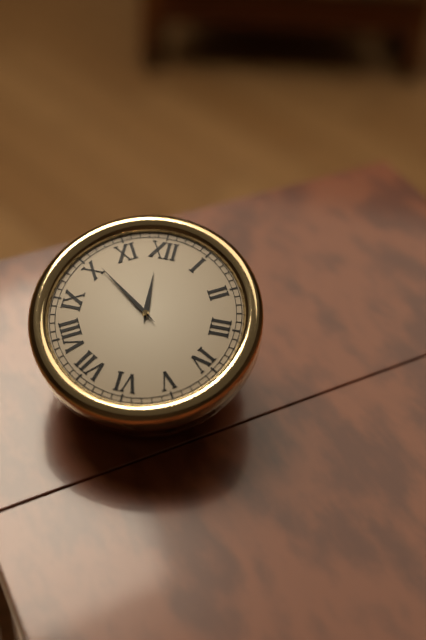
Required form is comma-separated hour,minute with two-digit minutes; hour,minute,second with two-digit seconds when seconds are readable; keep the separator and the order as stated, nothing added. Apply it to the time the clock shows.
11,51
